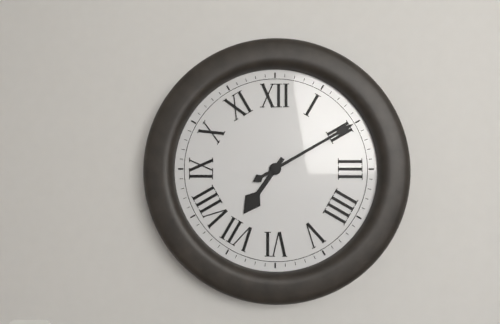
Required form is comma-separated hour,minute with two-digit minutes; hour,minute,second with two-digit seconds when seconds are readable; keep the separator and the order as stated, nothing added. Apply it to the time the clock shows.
7,10
